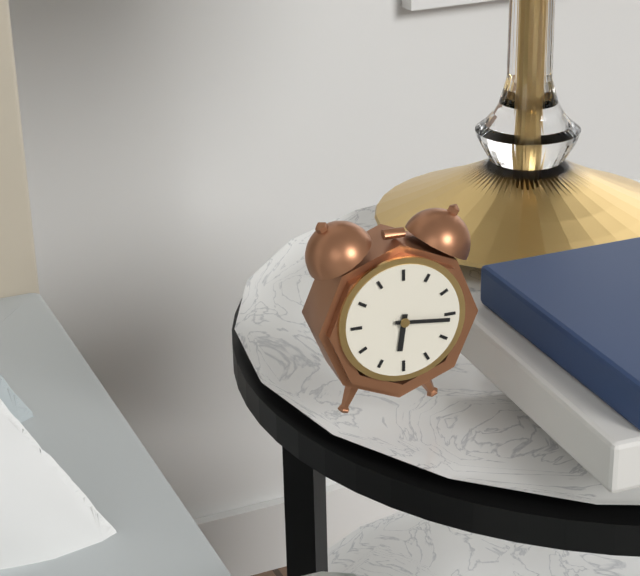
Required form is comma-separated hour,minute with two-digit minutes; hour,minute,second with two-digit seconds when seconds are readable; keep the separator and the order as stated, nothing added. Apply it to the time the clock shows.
6,16
